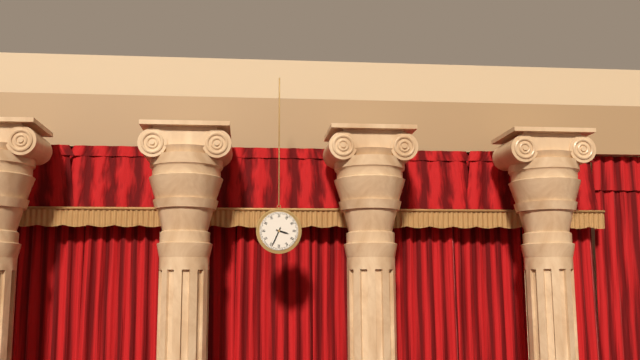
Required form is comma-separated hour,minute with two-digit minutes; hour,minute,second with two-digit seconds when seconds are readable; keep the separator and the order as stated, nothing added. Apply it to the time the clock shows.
3,34
